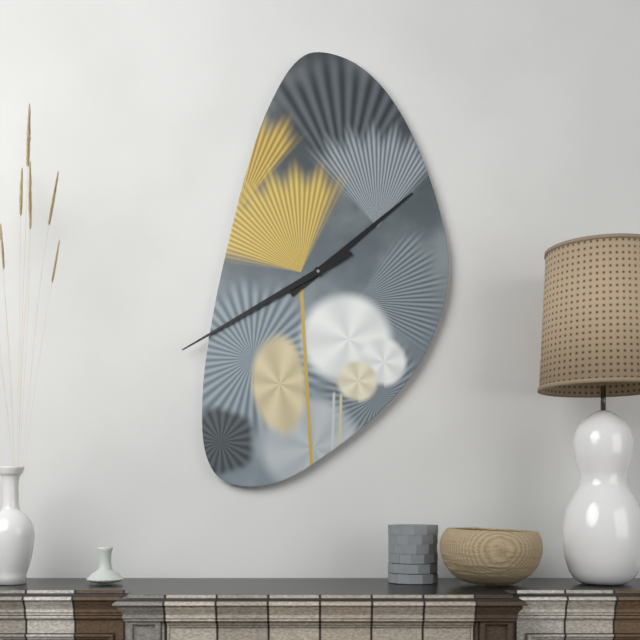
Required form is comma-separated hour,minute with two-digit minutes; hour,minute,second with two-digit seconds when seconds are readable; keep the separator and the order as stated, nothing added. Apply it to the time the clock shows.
1,40
